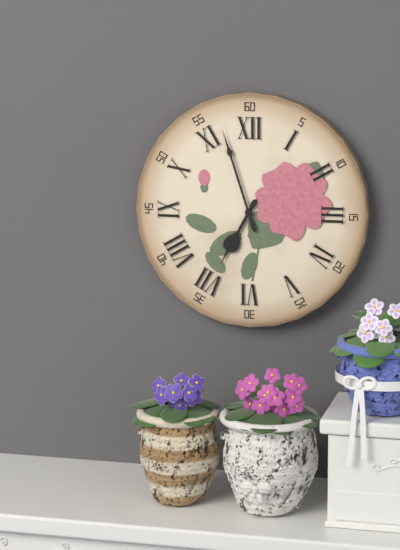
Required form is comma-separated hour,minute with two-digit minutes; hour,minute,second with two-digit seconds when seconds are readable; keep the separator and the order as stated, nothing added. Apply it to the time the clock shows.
6,57
